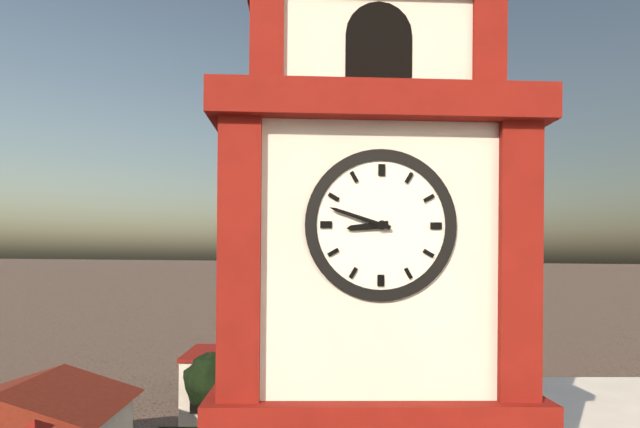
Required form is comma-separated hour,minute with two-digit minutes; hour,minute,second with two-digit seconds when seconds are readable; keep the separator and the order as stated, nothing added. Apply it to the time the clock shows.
8,48
